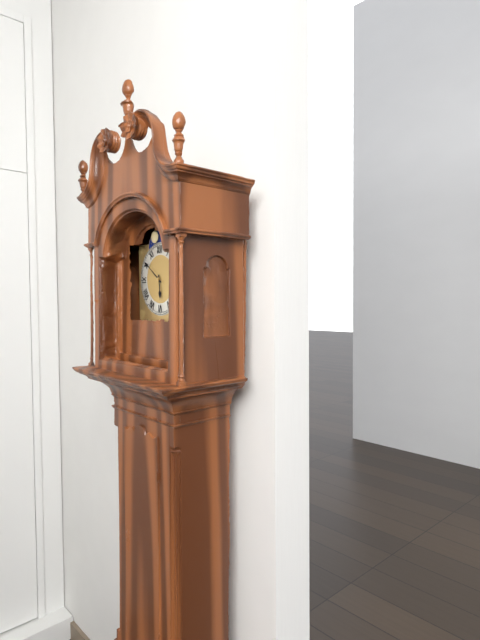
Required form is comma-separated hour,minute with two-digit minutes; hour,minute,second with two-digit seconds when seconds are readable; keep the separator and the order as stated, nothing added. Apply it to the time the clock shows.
5,51
